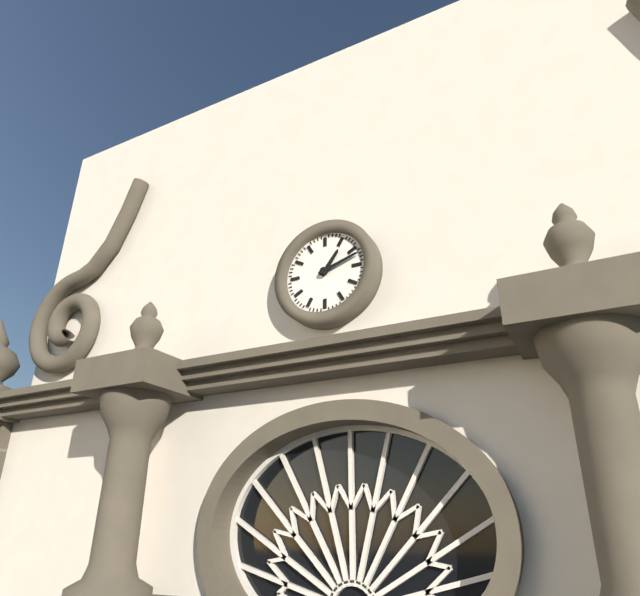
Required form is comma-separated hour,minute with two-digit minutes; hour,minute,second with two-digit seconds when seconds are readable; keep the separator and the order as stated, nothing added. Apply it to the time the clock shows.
1,12
